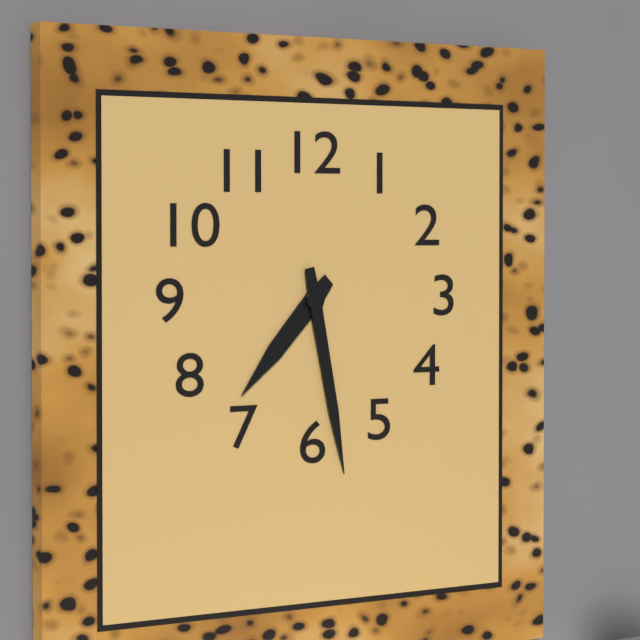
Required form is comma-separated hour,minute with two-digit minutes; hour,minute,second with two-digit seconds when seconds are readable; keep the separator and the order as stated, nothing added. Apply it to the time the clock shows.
7,28
